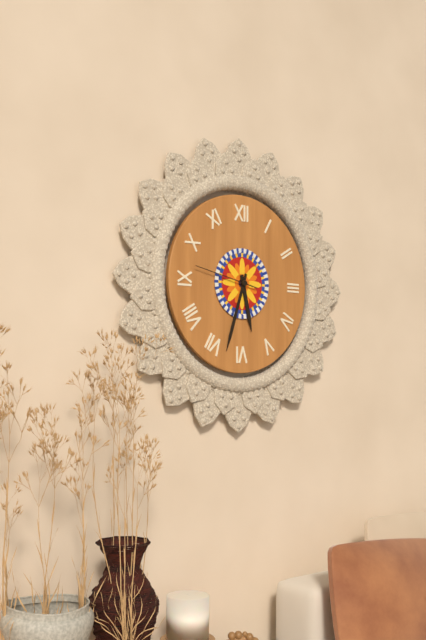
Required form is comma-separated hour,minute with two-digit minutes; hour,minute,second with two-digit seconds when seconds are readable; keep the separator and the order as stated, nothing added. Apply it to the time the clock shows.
5,33,47
